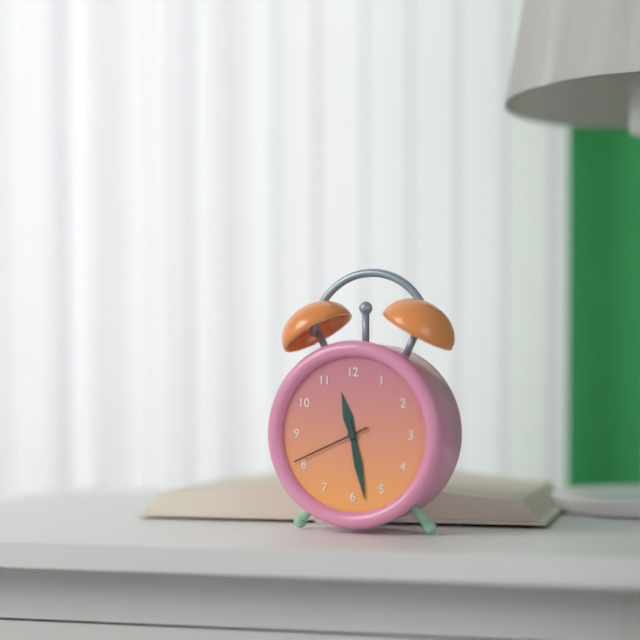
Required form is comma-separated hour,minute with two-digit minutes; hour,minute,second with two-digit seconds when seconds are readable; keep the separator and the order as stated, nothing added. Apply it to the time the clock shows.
11,28,41
